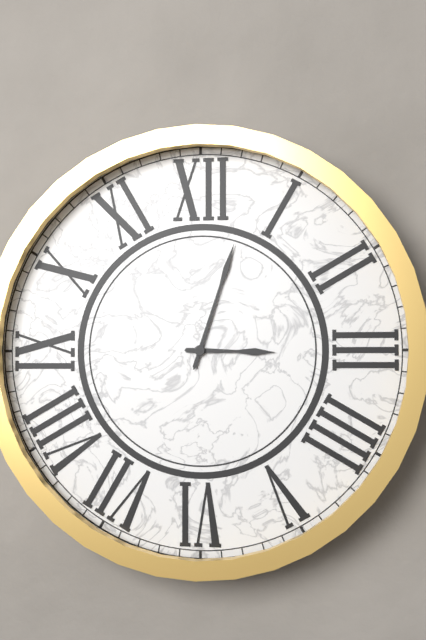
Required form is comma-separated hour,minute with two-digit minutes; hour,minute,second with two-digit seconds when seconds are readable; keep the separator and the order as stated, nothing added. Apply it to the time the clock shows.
3,03
